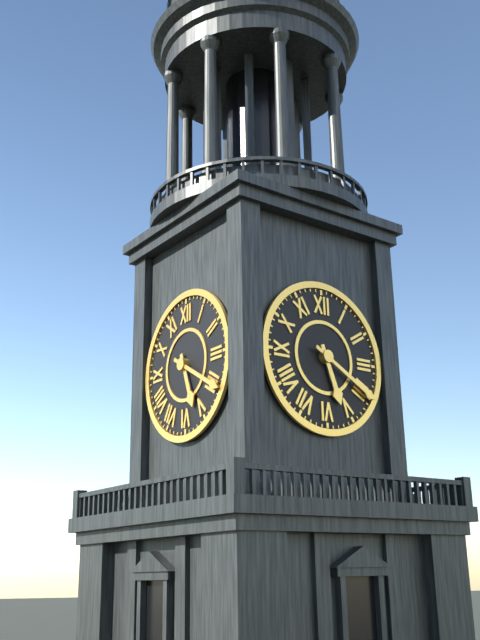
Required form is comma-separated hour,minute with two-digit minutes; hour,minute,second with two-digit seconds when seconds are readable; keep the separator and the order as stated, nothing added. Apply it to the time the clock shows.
5,20
